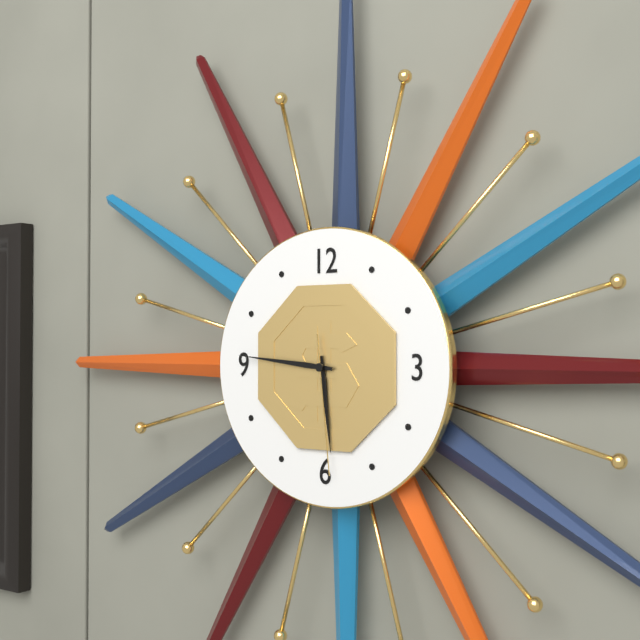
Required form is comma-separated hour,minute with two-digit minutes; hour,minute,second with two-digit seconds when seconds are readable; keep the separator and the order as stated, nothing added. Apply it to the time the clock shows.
5,46,29
